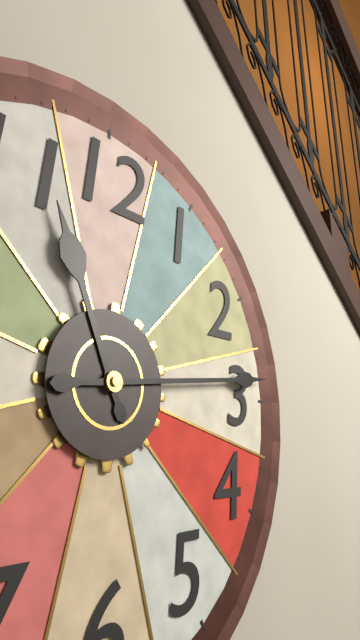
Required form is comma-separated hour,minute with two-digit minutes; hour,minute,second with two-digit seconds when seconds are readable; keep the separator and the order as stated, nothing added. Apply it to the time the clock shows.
11,14
